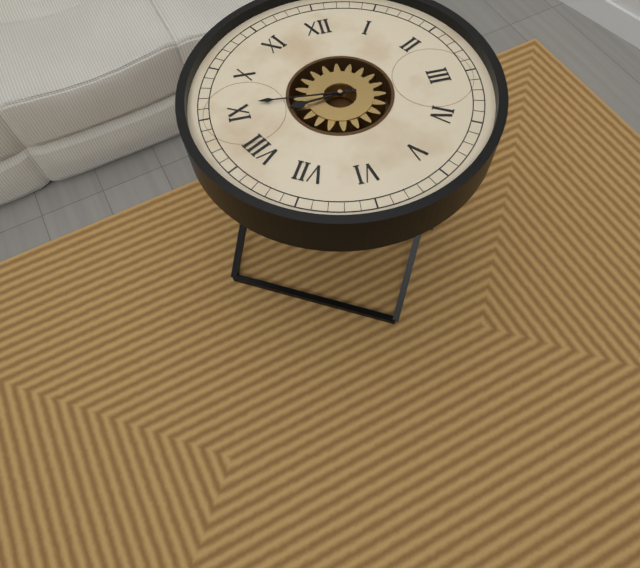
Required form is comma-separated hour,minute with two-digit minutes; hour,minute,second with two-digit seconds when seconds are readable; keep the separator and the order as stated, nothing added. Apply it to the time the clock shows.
8,46
